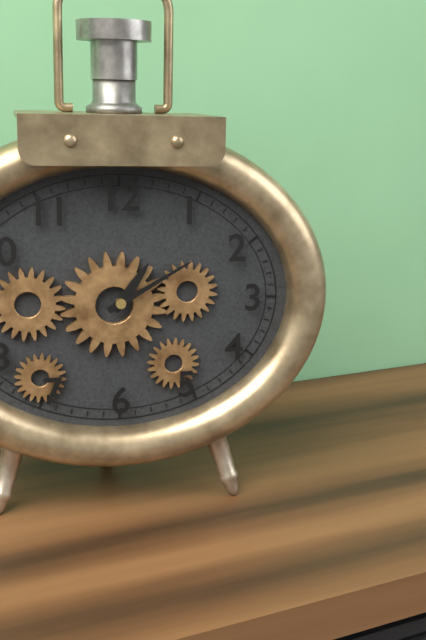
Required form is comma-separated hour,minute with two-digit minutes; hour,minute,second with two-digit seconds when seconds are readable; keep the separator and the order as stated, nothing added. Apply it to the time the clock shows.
1,10
